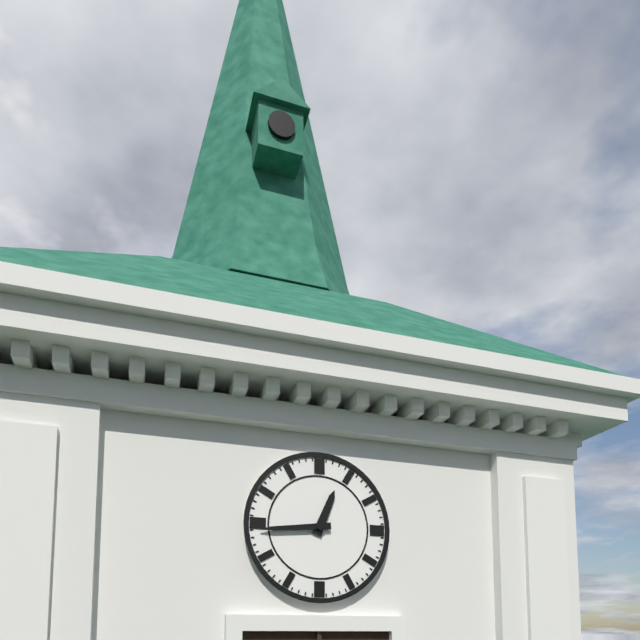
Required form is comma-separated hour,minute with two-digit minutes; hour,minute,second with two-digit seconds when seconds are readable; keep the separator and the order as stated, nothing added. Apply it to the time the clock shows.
12,44
